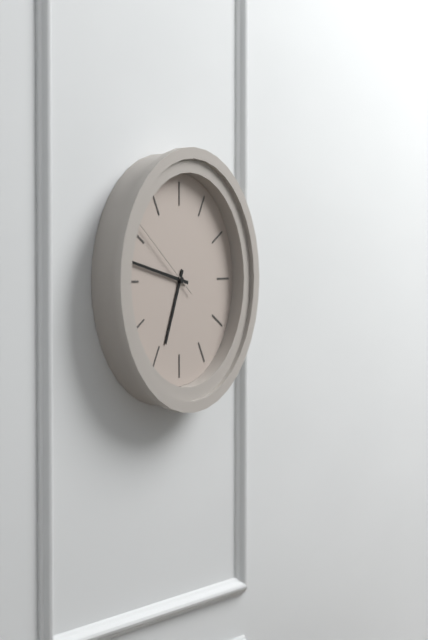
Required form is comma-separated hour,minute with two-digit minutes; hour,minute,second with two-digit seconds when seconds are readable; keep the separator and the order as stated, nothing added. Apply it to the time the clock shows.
6,47,51
